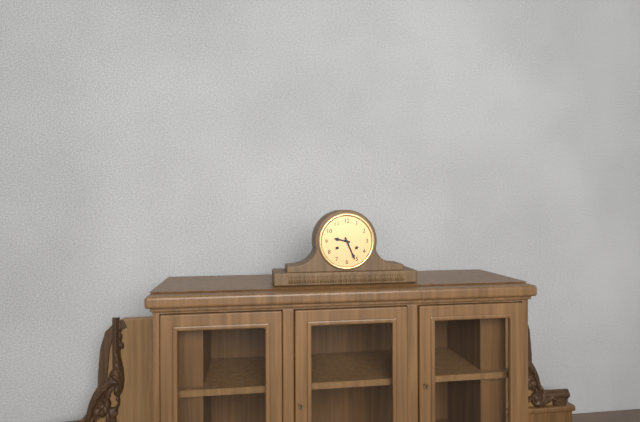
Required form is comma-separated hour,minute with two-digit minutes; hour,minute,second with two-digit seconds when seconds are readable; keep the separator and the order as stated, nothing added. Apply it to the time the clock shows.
9,26
